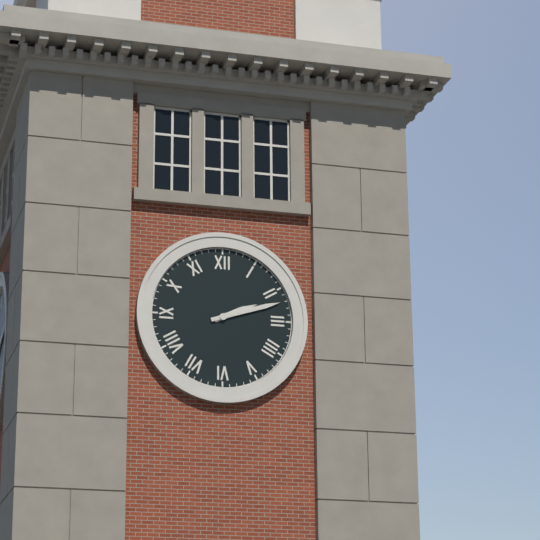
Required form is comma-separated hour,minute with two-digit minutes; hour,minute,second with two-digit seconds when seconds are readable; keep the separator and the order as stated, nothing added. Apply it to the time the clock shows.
2,12
